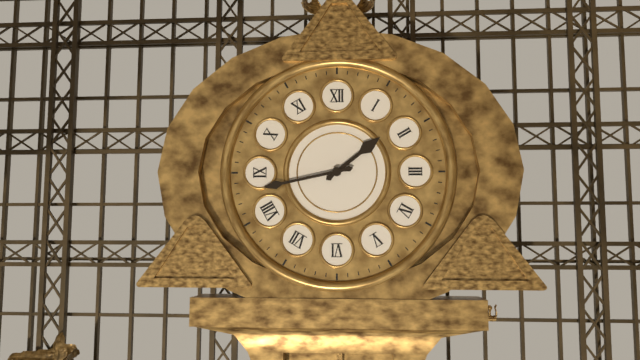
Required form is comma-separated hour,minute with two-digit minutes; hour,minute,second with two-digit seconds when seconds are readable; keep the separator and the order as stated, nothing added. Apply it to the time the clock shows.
1,43
